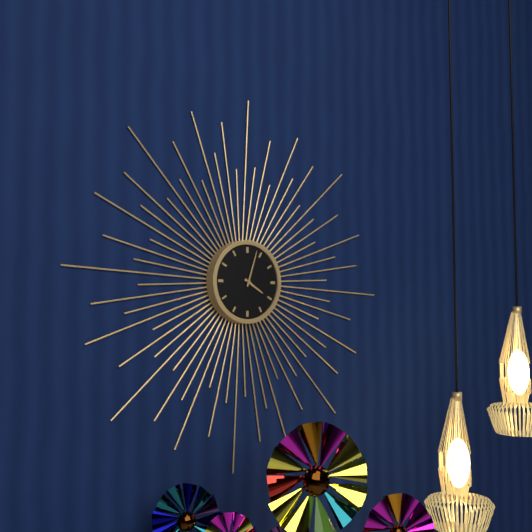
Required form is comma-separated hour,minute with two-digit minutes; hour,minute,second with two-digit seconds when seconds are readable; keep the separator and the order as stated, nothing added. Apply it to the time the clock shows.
4,03
